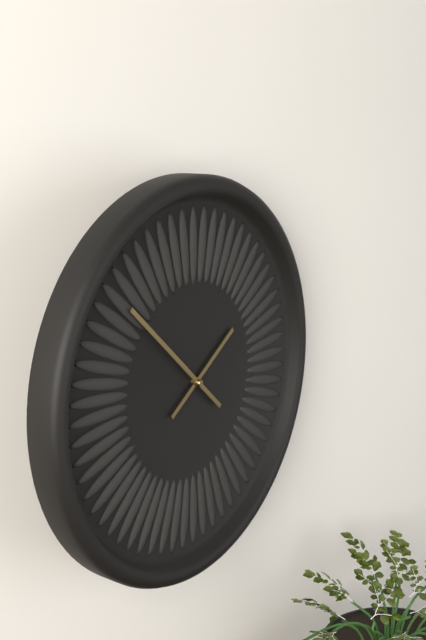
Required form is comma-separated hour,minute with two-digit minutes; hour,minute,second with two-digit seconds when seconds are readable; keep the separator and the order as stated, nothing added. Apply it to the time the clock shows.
1,52
